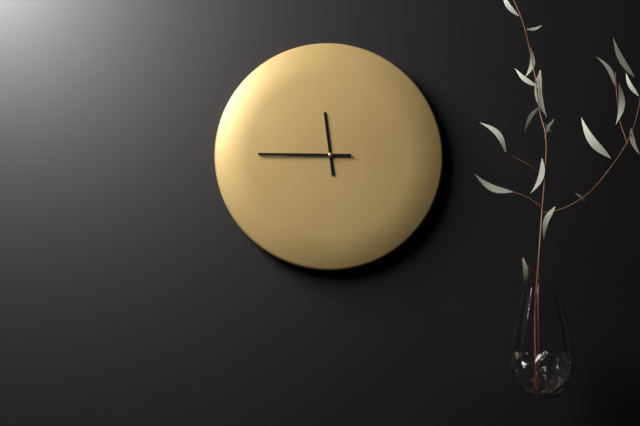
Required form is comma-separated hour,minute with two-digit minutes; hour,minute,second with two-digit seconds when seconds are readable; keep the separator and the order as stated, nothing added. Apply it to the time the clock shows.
11,45
